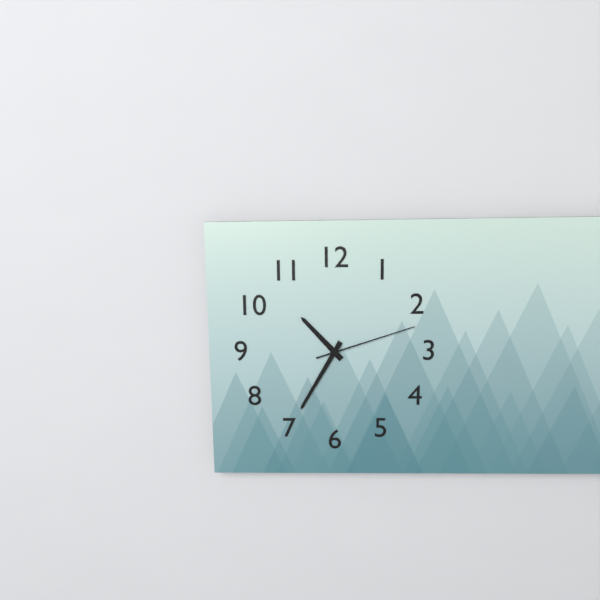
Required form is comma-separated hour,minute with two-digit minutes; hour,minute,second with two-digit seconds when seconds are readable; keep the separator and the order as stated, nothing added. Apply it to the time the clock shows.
10,35,12
